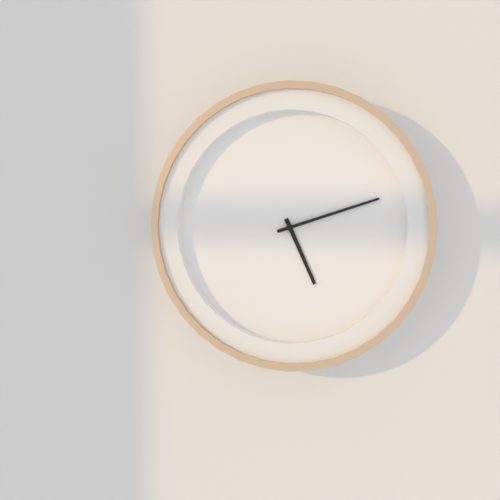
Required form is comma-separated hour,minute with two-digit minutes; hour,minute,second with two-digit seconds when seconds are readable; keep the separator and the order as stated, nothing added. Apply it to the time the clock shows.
5,12
